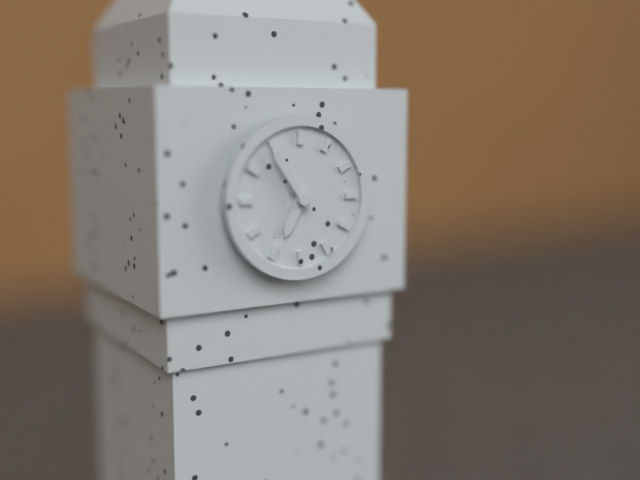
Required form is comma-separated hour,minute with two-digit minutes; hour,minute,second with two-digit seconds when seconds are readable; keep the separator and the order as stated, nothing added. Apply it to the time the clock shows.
6,54
